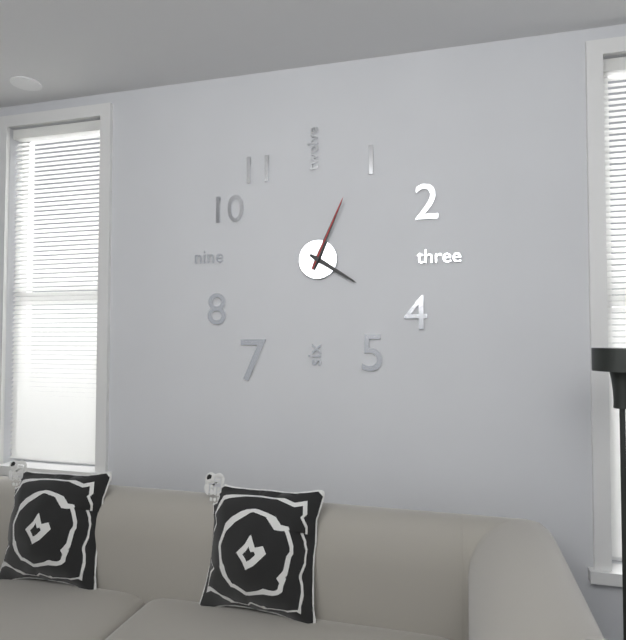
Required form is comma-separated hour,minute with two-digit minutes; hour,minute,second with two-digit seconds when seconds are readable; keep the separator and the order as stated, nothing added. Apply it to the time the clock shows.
4,04,04
